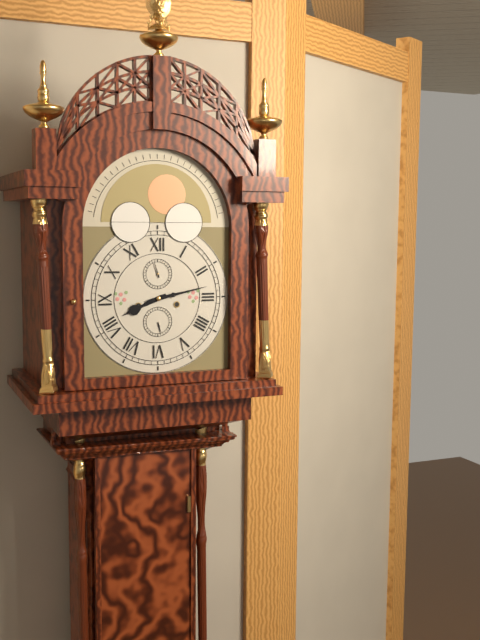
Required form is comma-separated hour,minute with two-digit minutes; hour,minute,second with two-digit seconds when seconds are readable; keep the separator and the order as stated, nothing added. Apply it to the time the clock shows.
8,13
